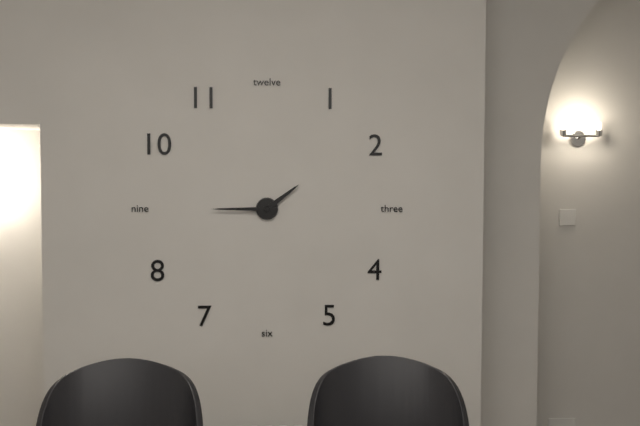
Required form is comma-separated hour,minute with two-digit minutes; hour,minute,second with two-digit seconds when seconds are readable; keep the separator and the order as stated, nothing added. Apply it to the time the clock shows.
1,45
